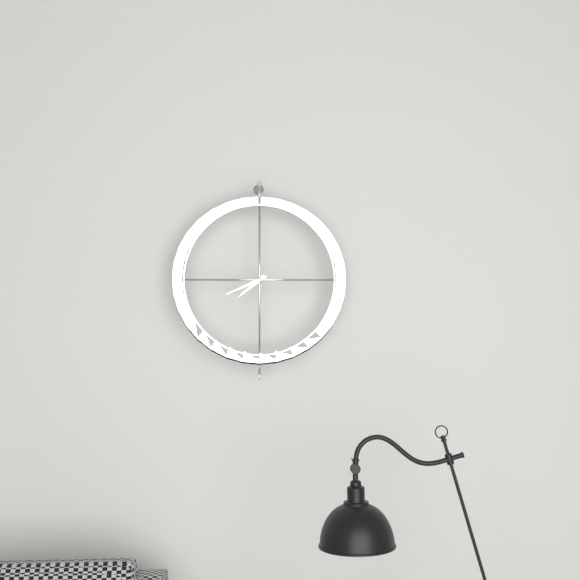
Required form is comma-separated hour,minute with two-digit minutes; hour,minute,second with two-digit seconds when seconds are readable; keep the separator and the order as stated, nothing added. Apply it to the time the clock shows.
7,41
